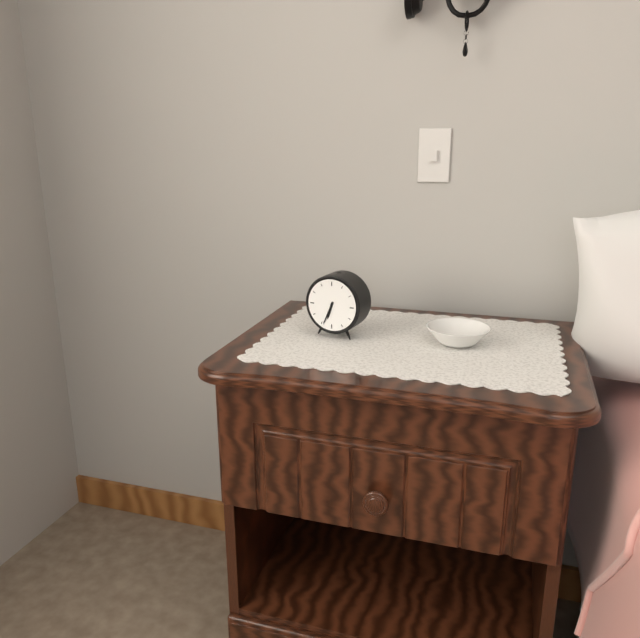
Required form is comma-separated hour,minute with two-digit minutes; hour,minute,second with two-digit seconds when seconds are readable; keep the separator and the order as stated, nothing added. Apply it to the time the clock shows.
6,34
